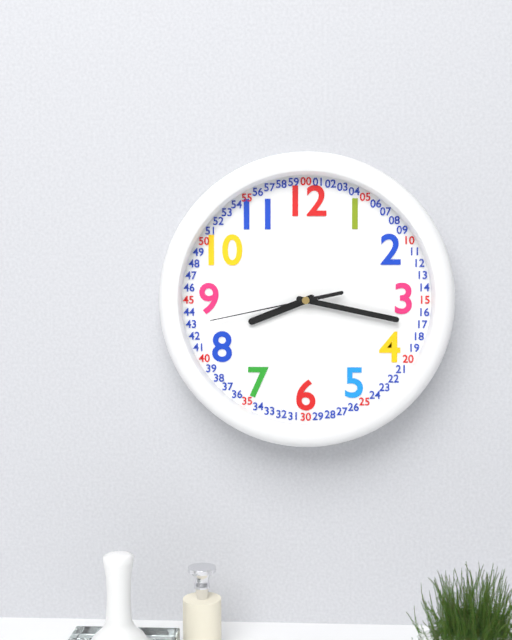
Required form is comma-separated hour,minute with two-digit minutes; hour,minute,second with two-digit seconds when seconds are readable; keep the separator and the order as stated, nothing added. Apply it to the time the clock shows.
8,17,43
